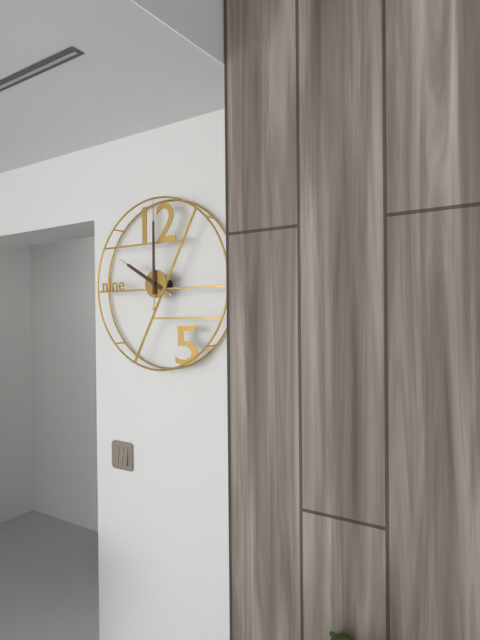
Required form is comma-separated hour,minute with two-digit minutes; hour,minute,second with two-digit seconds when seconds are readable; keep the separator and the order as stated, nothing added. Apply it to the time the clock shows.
10,00
